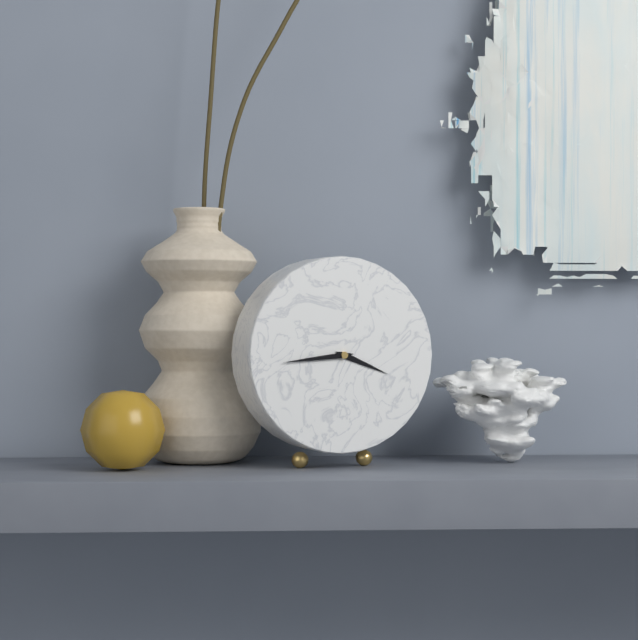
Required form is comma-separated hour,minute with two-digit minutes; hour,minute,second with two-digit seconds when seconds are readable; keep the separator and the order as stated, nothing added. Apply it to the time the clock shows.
3,44
